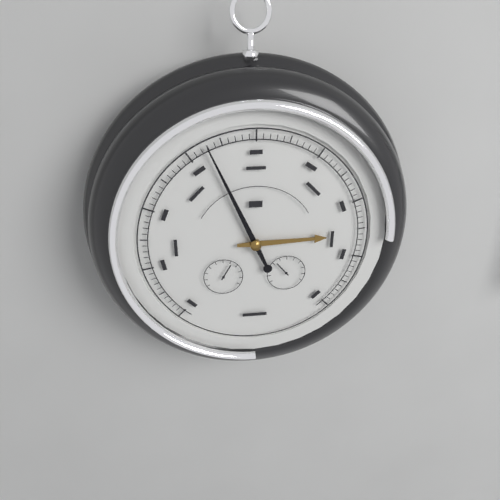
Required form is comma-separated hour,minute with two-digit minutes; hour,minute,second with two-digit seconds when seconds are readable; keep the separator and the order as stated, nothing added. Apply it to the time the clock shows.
2,56
